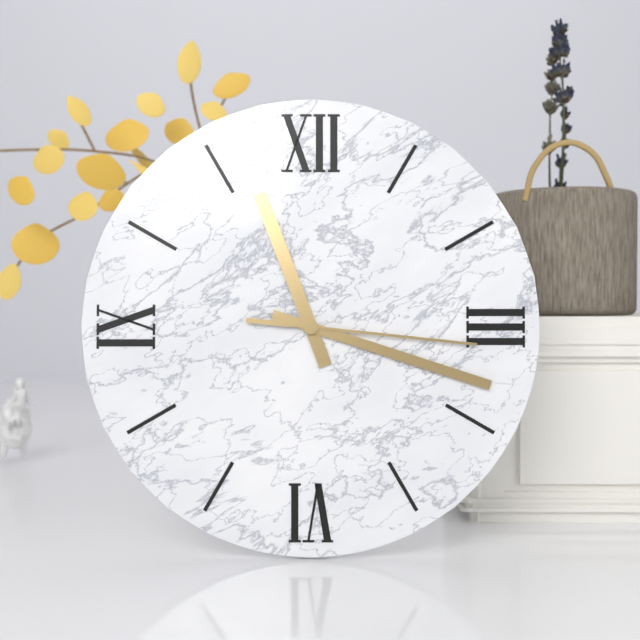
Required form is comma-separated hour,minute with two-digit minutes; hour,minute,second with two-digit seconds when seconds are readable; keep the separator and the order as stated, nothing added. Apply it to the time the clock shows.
11,18,16
